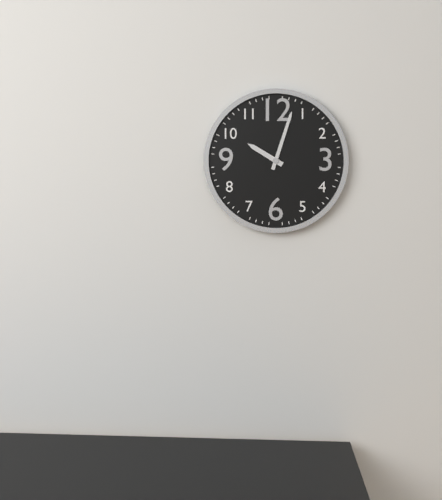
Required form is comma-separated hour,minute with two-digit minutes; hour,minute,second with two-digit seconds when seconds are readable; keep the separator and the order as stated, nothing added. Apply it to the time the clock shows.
10,03
